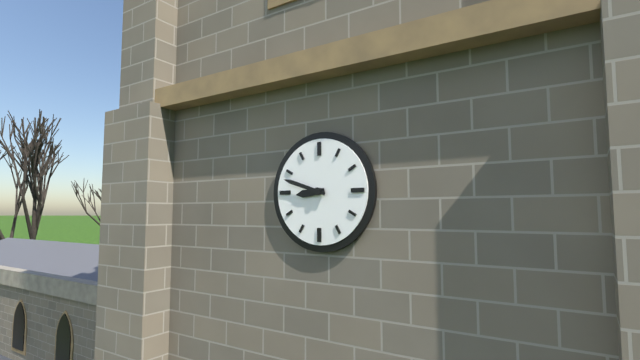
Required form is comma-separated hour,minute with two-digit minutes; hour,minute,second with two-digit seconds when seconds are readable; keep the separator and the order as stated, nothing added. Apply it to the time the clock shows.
8,48
